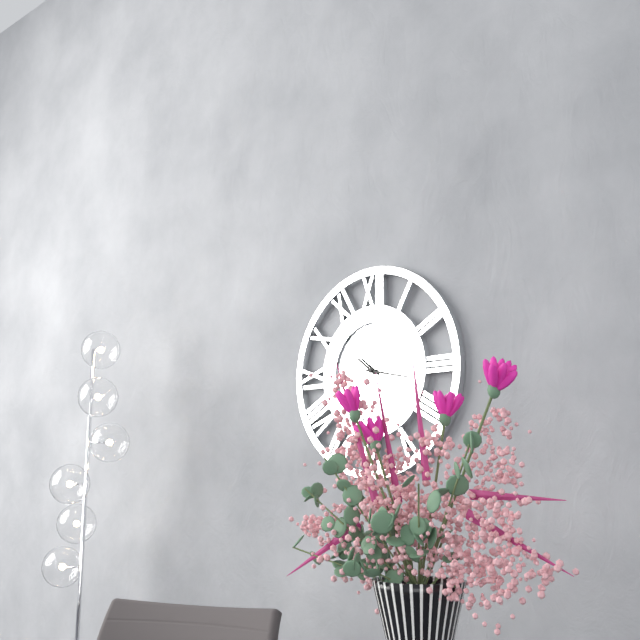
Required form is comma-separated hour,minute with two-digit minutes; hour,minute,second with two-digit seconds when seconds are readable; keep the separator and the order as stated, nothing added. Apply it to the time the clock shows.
10,17
